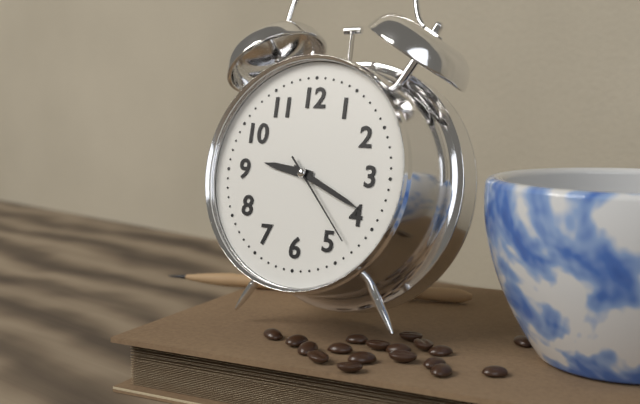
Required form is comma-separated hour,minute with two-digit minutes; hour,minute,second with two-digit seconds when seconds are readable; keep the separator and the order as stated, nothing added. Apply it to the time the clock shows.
9,19,23
